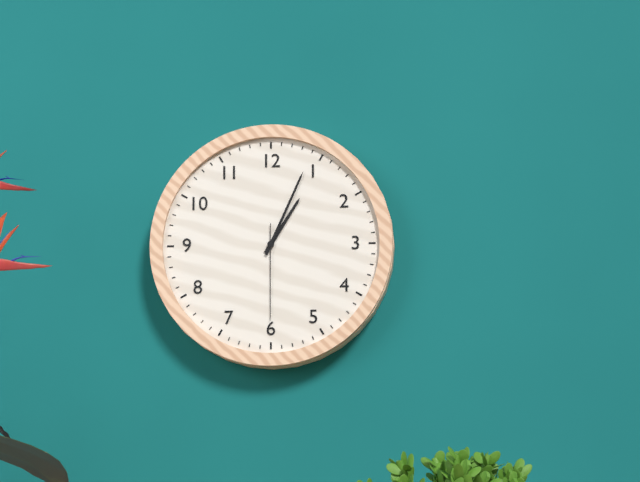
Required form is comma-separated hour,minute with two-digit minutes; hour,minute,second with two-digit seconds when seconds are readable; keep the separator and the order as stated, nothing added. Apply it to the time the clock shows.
1,04,30
